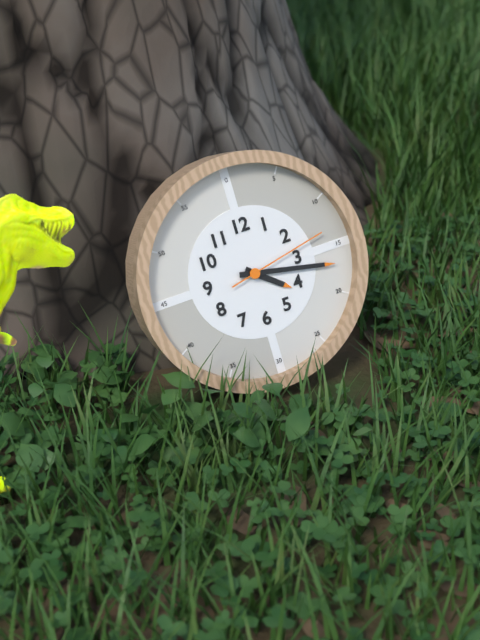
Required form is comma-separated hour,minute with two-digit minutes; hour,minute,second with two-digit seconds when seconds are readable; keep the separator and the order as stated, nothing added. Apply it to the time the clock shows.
4,17,13
